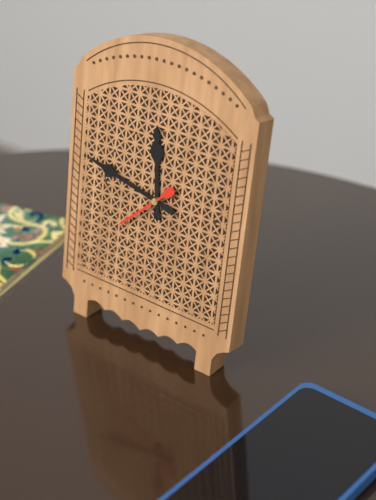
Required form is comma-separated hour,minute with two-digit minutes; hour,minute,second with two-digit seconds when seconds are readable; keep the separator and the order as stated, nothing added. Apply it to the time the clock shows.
11,47,38
